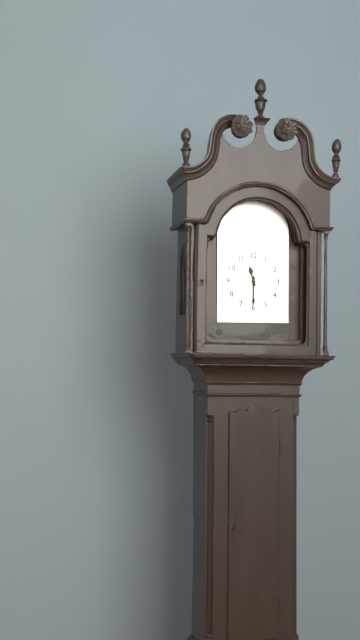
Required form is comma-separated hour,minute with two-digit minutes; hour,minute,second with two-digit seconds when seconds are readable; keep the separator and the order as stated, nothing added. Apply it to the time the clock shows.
11,30
